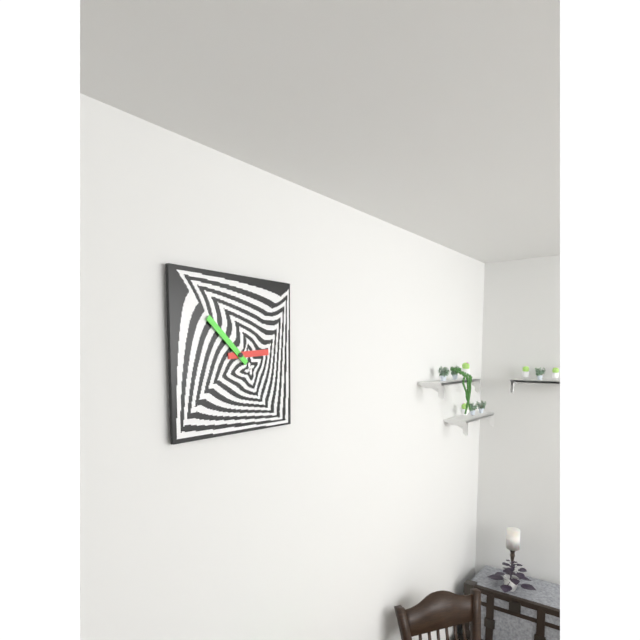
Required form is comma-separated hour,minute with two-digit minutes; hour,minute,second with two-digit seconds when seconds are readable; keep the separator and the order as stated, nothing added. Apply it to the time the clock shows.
2,52
